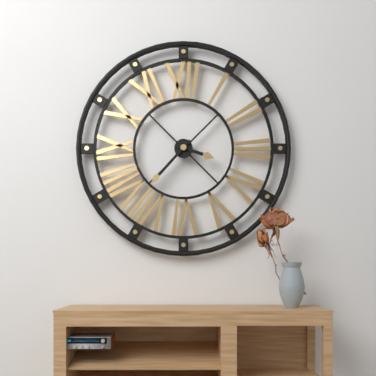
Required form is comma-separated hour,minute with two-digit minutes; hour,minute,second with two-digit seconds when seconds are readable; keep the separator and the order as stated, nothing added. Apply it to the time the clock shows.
3,37
